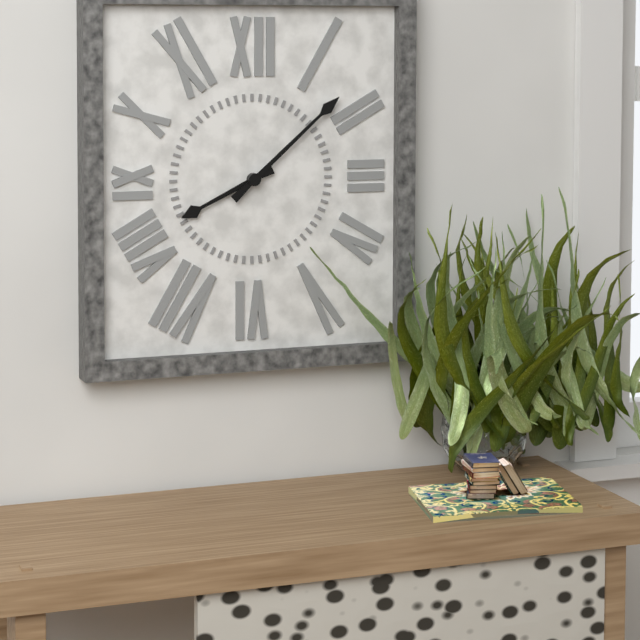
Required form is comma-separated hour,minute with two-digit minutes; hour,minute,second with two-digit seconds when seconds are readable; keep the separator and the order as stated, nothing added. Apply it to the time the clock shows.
8,08
